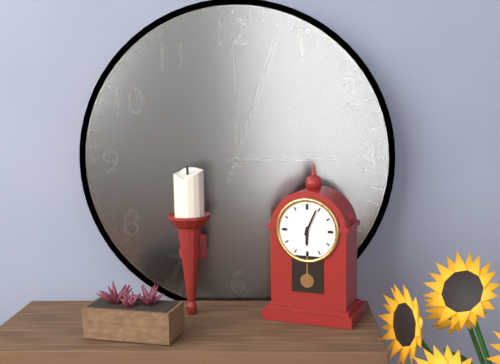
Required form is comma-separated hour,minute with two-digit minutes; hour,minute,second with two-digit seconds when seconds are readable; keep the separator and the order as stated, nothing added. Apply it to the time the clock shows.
6,04
